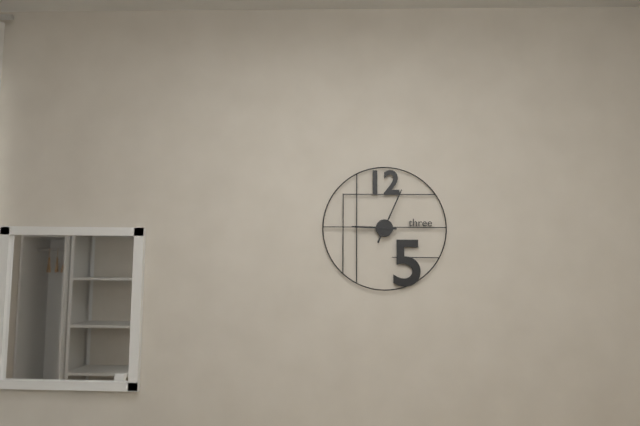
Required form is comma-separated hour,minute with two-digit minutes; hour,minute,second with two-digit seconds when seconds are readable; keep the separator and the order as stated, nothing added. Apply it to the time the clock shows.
9,04
